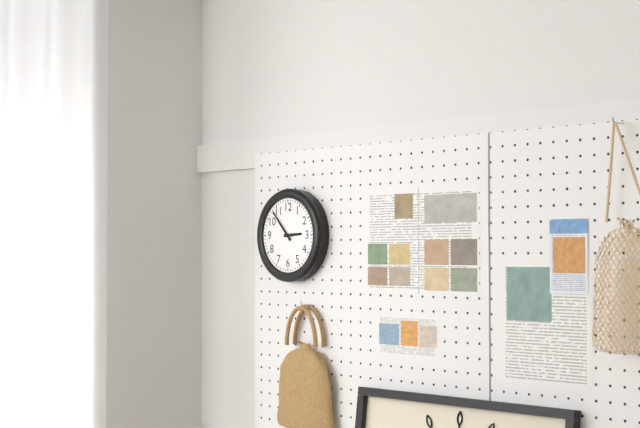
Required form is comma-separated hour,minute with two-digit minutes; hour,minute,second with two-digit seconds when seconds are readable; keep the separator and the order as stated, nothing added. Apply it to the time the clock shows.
2,53
